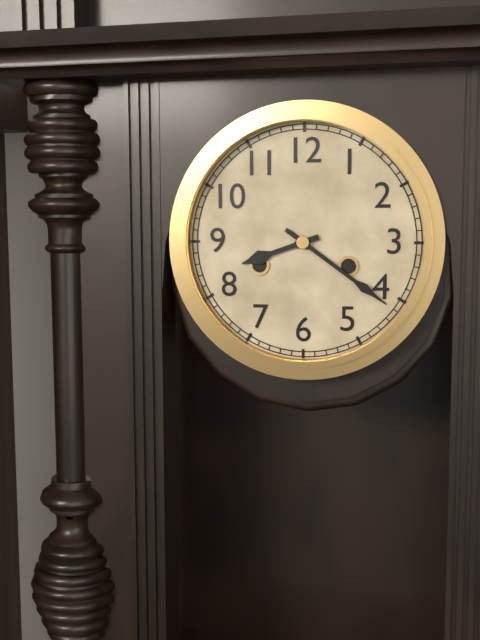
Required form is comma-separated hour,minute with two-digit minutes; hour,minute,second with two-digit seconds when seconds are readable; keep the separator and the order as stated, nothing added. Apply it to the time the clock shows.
8,21
